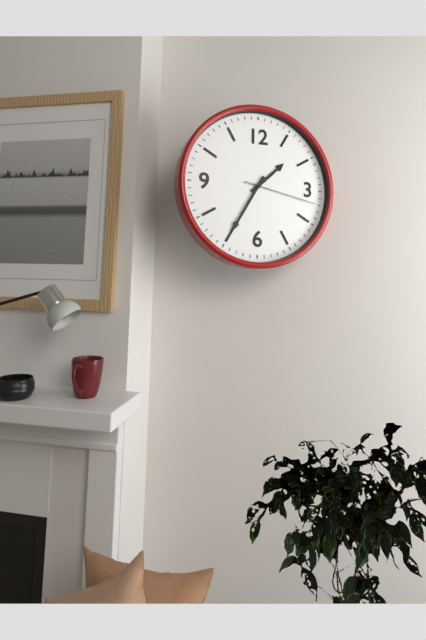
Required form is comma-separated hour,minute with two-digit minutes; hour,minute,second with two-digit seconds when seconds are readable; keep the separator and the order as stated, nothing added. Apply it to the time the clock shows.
1,35,17
